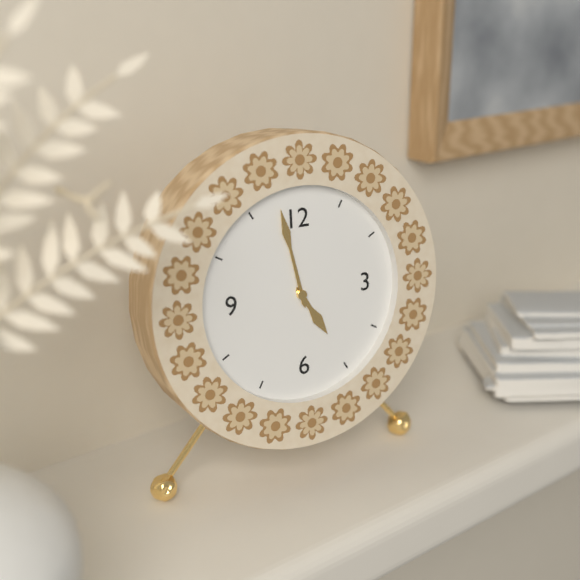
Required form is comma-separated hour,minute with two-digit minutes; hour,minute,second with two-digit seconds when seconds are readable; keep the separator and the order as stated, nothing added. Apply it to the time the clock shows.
4,58
